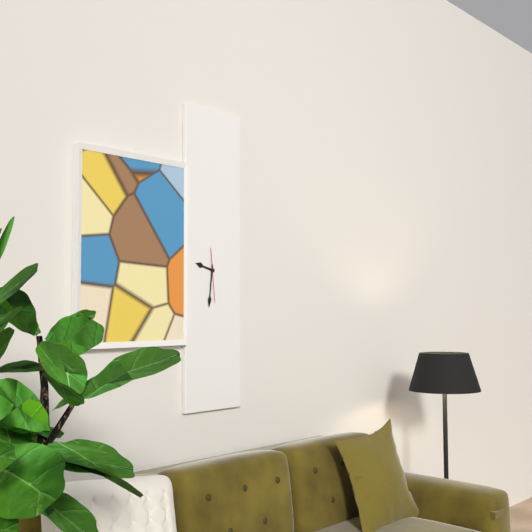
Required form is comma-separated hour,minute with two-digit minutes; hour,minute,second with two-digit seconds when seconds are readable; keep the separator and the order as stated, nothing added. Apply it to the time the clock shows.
9,31
